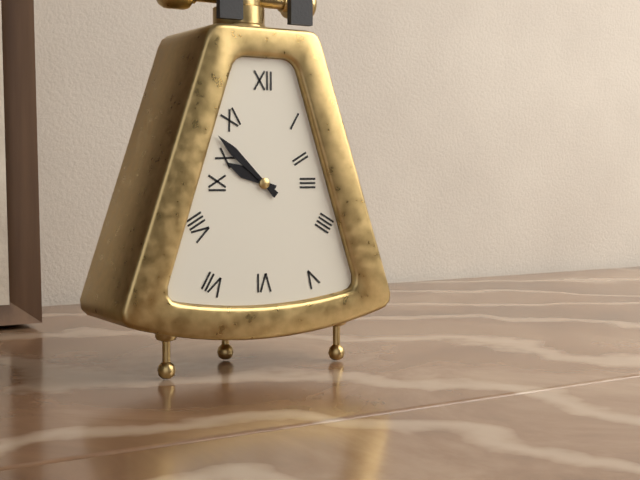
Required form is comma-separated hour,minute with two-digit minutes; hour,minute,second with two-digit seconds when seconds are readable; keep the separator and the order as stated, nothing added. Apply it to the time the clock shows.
9,52
